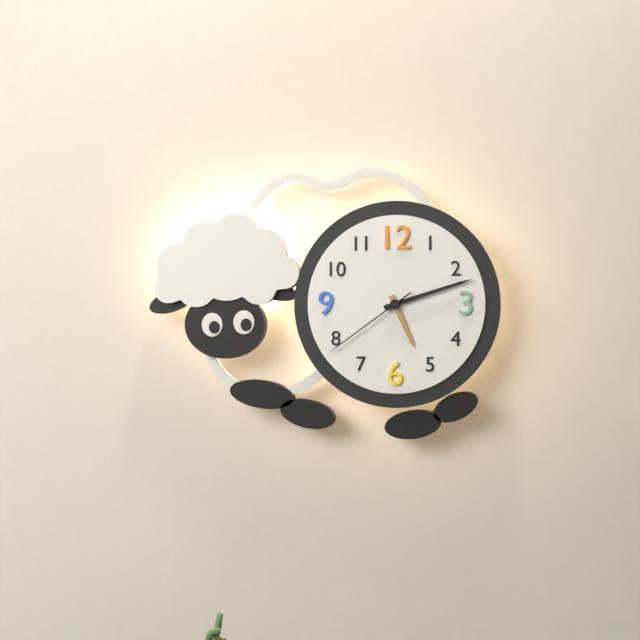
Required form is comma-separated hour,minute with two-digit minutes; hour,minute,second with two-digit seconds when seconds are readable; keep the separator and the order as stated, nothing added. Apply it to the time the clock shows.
5,12,39
